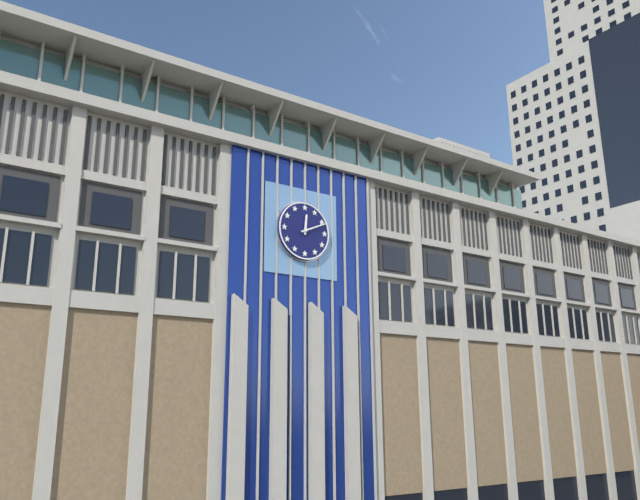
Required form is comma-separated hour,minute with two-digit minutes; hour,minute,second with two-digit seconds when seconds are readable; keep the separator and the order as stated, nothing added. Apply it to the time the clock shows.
12,11
